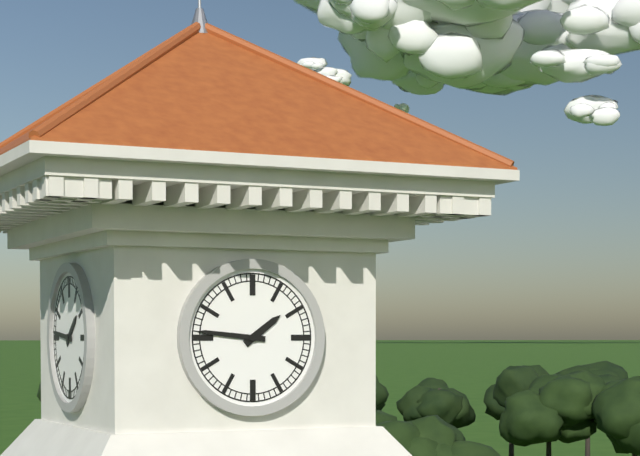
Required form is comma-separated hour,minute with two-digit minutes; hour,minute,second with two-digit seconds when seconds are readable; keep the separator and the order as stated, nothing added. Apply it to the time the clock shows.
1,46
